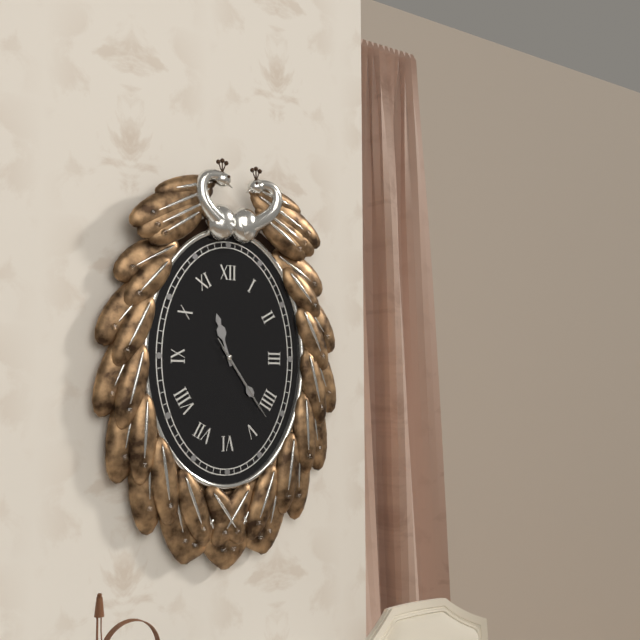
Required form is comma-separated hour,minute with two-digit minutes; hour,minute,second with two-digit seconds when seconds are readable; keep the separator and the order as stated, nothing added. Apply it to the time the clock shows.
11,24,24
